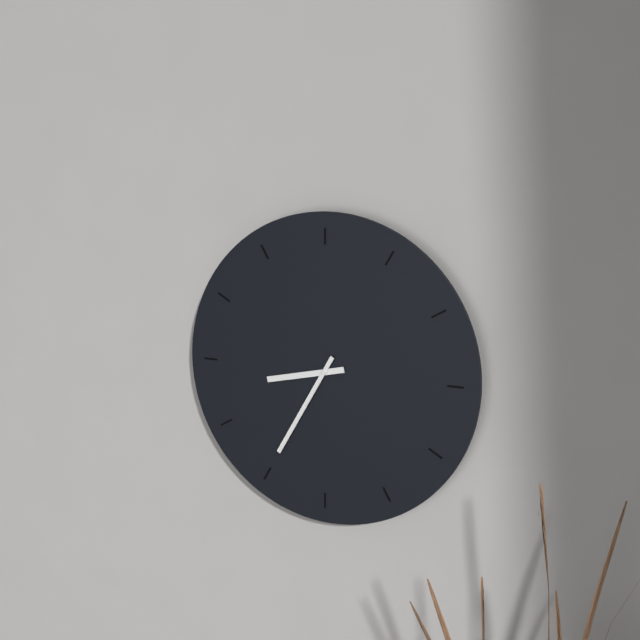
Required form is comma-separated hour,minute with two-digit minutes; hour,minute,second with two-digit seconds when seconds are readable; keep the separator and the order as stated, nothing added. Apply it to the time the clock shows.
8,35
